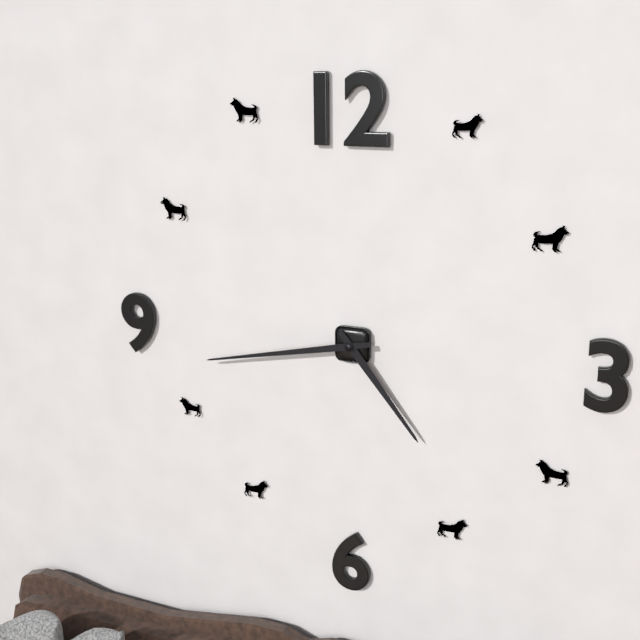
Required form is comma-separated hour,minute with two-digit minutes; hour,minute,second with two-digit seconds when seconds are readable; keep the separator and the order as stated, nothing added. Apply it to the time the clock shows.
4,43
